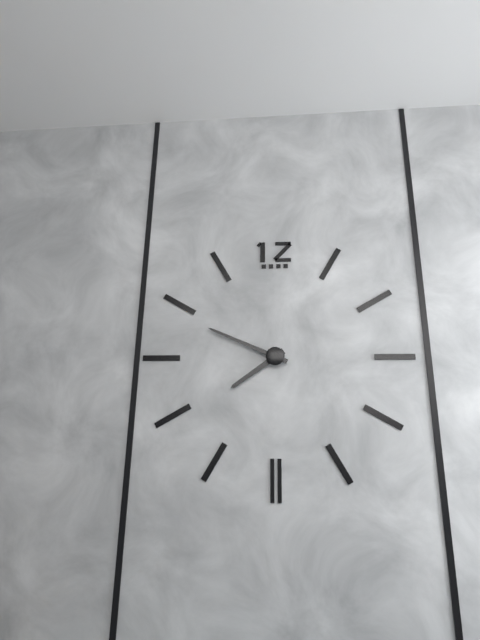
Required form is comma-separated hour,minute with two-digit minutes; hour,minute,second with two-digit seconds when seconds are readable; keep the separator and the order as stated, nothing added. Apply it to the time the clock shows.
7,49
